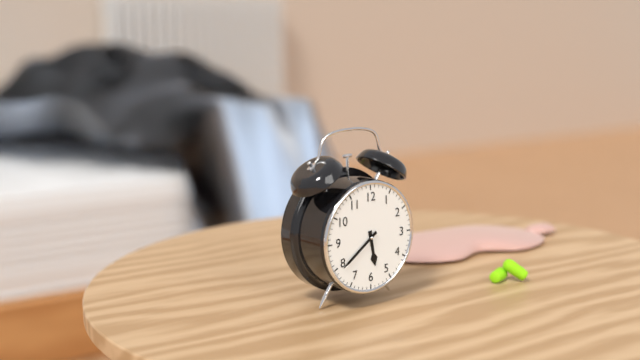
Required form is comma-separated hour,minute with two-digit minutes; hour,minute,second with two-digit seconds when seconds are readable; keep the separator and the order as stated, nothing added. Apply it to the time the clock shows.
5,39
